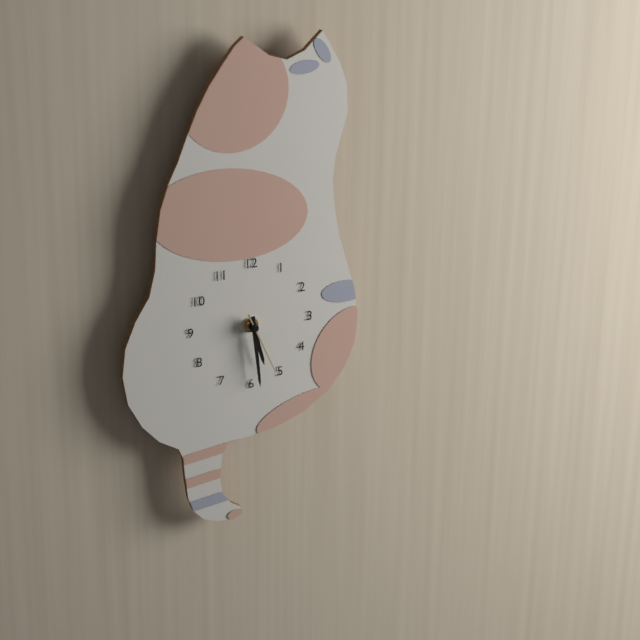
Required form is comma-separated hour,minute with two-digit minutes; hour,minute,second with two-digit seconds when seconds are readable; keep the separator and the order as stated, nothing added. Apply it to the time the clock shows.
5,29,26
